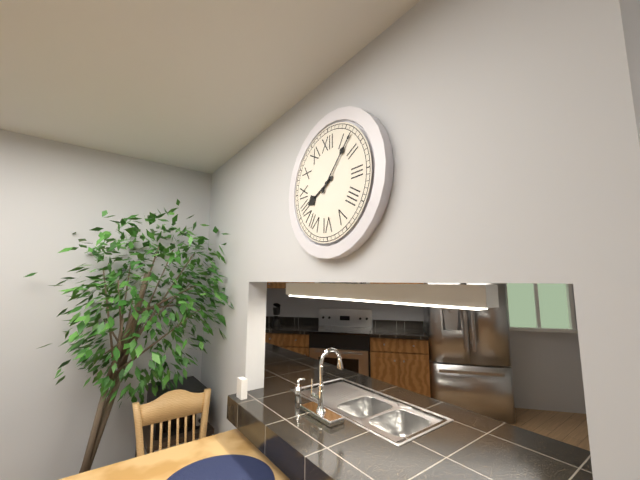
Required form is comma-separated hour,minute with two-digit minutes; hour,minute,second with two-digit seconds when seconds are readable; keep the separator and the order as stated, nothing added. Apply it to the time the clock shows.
8,07
